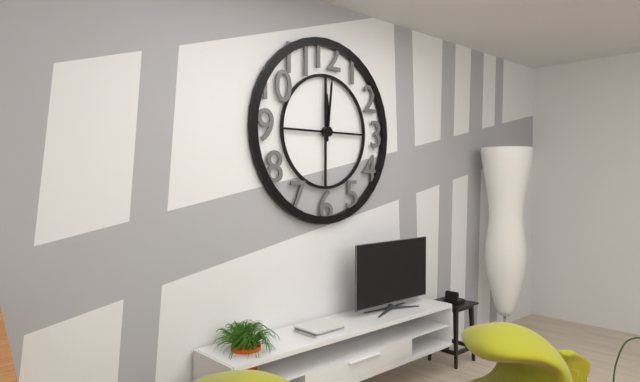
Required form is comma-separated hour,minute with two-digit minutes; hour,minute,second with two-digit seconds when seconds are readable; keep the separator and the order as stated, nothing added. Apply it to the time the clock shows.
12,01
